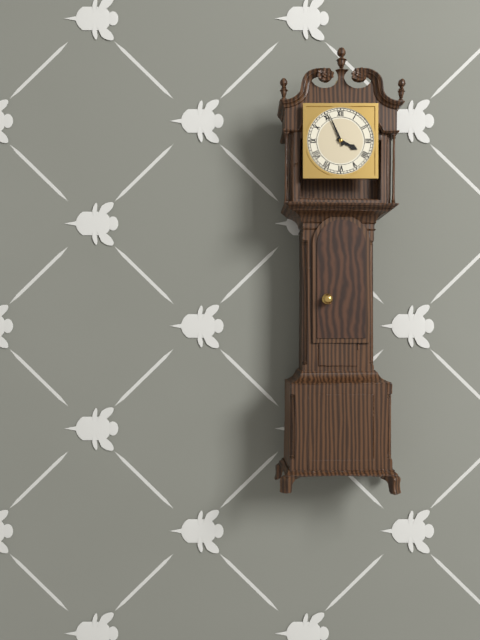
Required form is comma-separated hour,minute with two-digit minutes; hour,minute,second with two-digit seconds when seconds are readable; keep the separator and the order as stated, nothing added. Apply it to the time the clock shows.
3,56
